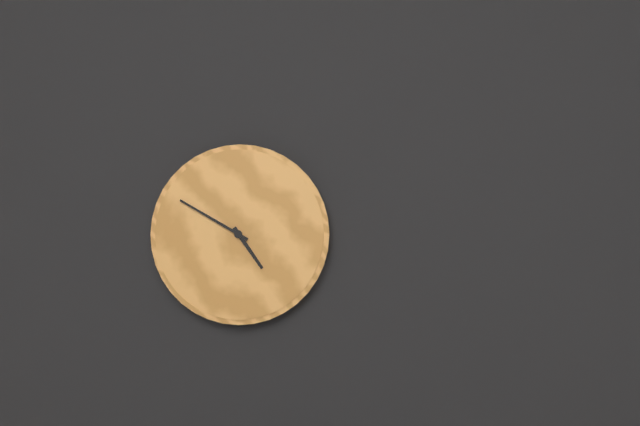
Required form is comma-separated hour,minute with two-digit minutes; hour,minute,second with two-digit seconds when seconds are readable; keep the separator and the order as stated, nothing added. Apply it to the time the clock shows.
4,50
